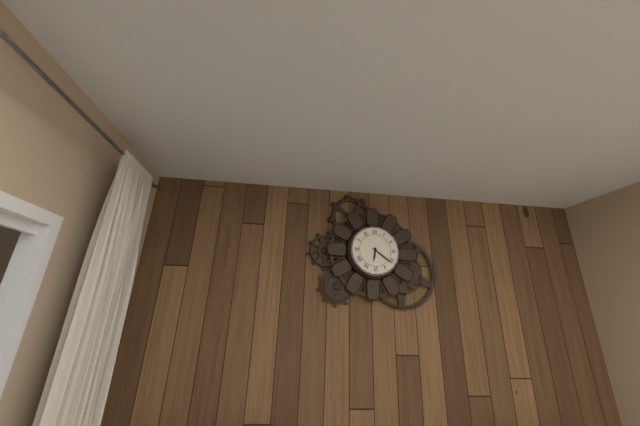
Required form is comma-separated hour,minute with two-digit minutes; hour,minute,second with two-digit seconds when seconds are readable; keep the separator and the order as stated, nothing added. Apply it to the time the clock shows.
6,21
